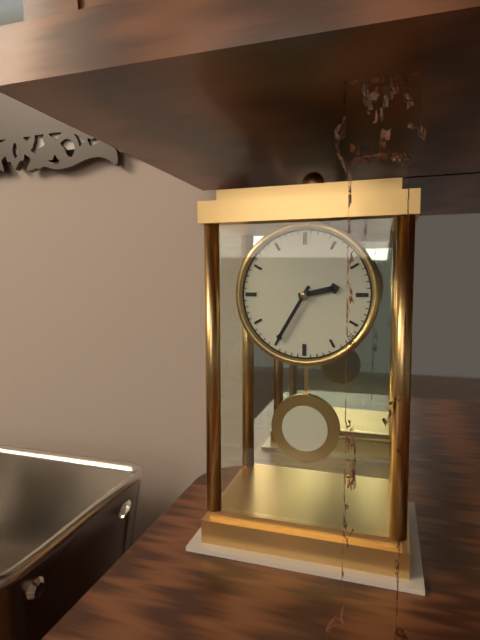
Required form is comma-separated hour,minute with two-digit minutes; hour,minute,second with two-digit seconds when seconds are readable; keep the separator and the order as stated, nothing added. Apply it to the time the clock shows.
2,35
